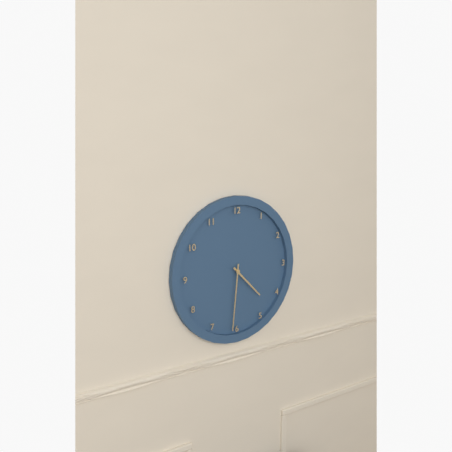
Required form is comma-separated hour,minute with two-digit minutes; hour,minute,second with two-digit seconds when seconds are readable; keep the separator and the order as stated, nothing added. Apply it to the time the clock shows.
4,31
